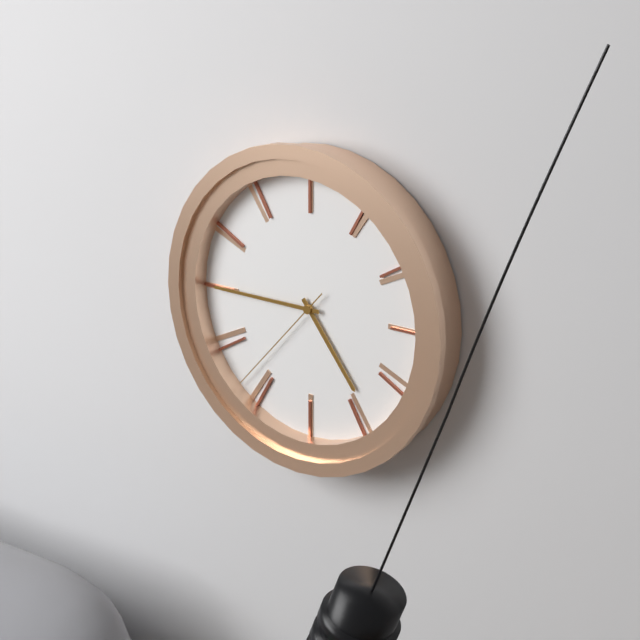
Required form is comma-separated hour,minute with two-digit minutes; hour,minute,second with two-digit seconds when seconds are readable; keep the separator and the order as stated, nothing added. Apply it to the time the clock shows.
4,45,37
